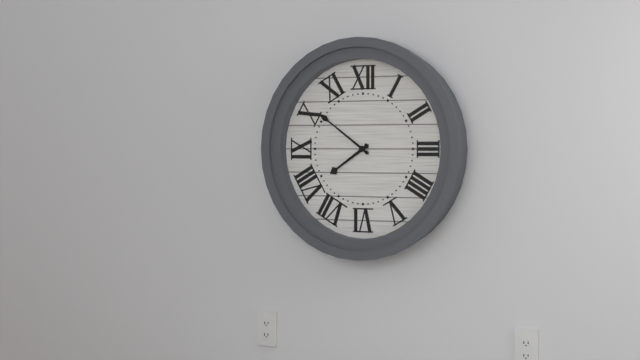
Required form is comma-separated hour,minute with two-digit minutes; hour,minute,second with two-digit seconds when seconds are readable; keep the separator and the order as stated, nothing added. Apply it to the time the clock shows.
7,51
